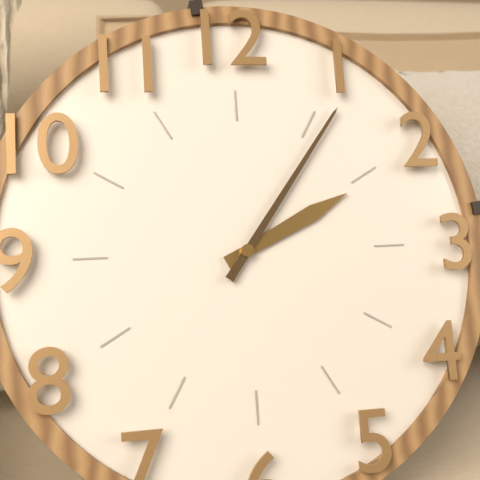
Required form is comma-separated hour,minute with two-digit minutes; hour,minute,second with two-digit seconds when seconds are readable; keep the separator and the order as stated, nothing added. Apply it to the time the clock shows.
2,06
